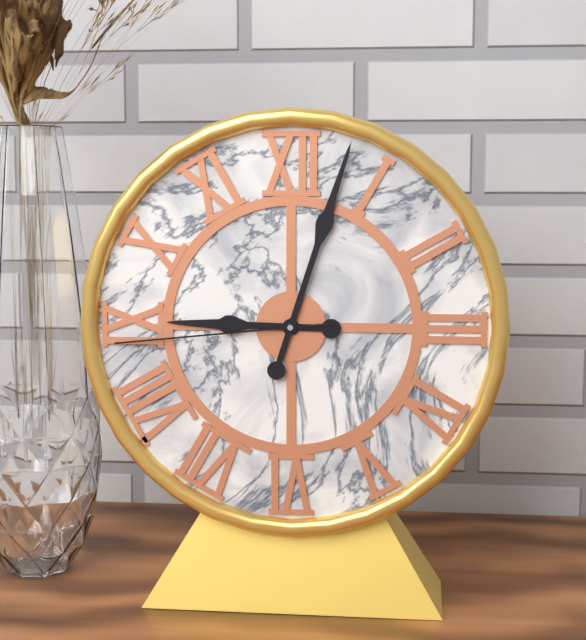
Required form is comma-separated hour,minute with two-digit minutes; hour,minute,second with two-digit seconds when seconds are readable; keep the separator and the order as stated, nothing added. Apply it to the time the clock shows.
9,03,44
